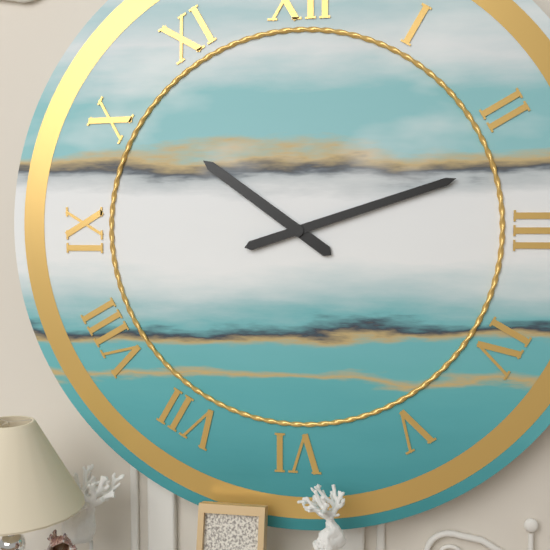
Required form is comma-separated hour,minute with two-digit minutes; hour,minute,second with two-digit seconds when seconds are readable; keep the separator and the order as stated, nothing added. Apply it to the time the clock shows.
10,12
